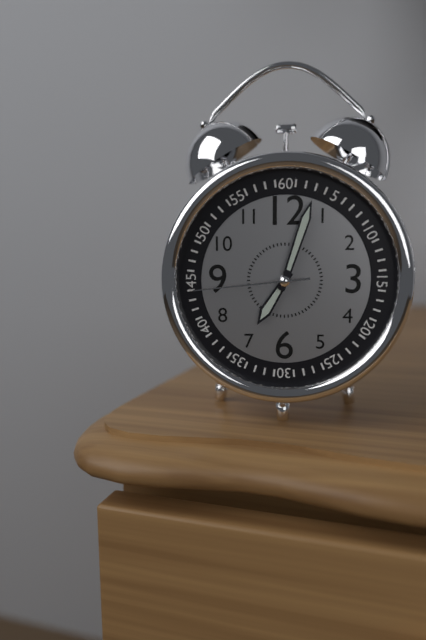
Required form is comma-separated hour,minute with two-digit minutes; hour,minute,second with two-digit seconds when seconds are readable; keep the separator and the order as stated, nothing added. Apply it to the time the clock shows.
7,03,44
